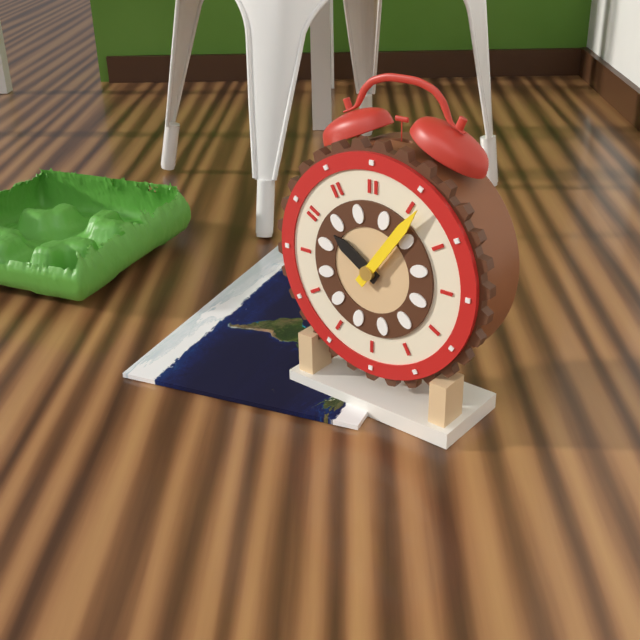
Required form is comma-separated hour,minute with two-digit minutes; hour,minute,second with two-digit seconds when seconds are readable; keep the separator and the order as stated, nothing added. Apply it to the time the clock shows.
10,06
